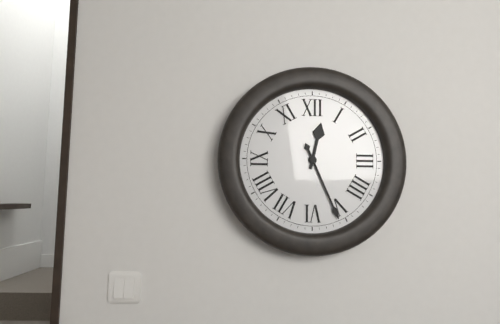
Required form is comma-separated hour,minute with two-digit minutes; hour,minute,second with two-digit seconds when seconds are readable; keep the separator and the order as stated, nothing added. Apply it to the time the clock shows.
12,26
